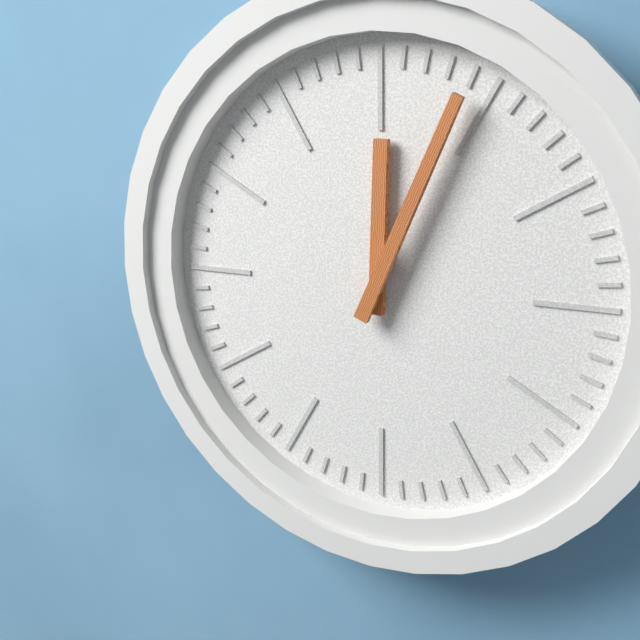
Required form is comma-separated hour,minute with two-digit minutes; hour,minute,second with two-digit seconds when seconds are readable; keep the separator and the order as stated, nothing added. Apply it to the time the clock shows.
12,04
